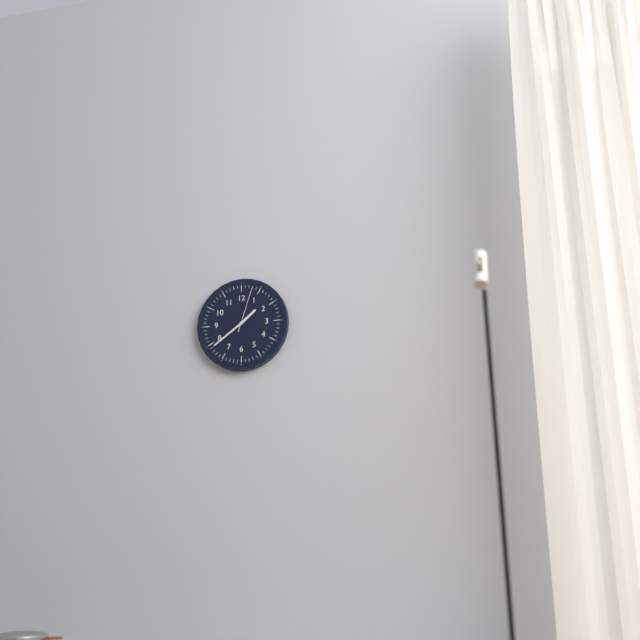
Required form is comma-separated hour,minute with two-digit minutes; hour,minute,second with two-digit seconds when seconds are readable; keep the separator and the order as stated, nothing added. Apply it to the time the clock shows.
1,39
